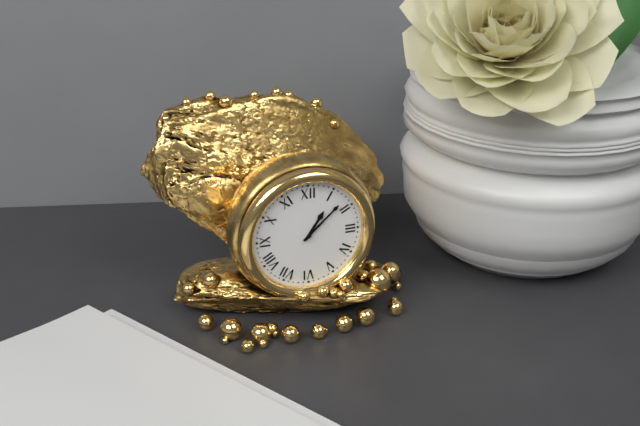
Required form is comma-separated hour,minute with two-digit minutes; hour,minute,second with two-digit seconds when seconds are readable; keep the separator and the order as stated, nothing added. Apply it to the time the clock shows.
1,08
